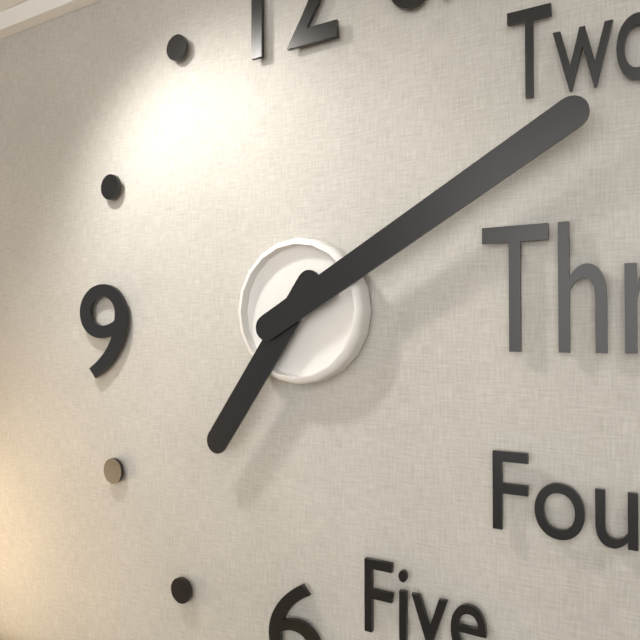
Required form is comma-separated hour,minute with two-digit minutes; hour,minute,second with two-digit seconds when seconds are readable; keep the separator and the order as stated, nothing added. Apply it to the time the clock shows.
7,10
